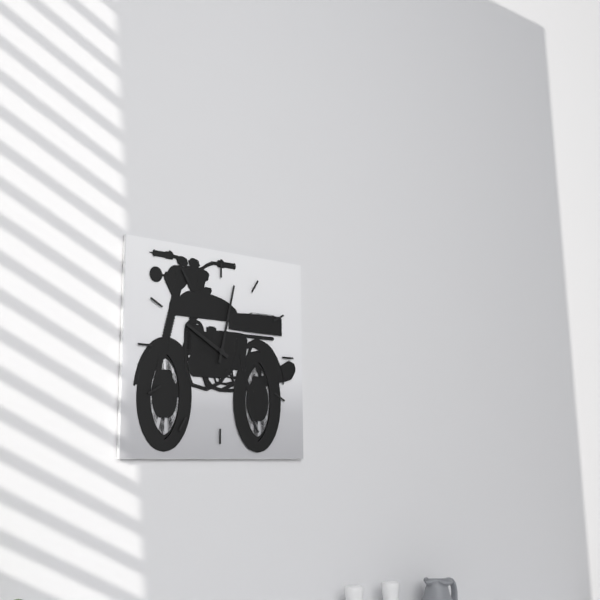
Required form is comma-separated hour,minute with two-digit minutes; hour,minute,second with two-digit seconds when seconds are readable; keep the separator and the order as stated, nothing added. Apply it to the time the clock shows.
10,02
